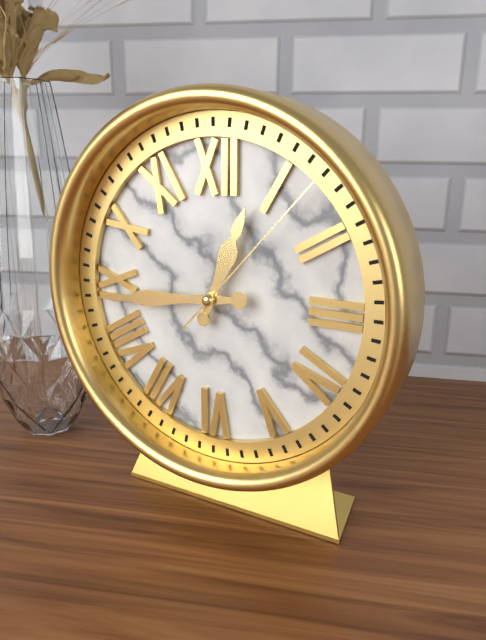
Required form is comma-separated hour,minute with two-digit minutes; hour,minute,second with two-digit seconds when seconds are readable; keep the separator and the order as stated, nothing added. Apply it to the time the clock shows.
12,44,07
